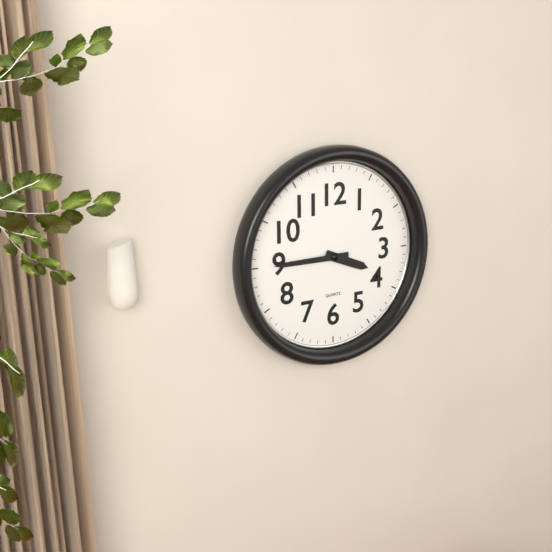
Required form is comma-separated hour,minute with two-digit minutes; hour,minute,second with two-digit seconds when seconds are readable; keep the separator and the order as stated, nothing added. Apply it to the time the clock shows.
3,45
